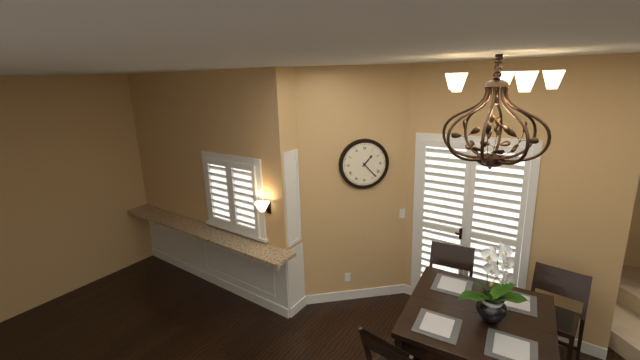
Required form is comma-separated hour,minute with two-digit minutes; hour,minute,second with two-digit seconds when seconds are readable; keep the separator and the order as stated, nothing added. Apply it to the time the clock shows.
1,23
